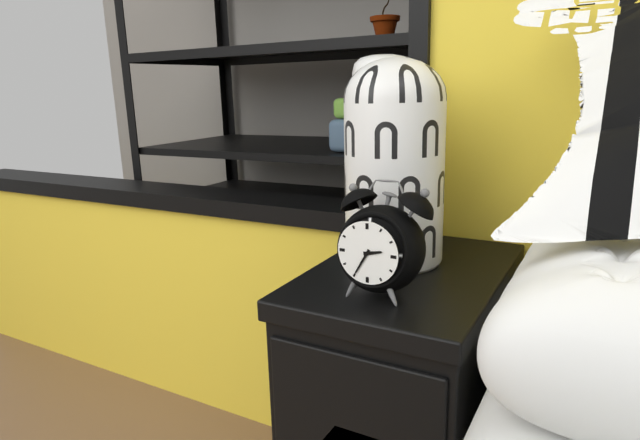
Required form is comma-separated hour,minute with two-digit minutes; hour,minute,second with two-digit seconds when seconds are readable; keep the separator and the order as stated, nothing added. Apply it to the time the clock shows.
2,35
